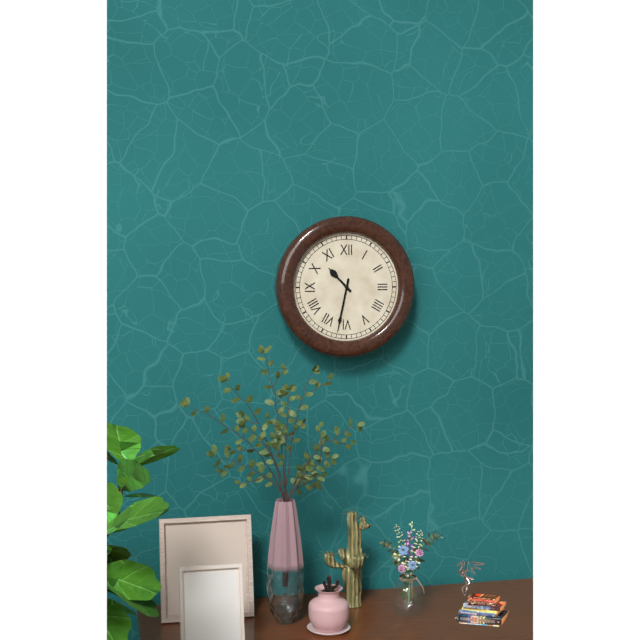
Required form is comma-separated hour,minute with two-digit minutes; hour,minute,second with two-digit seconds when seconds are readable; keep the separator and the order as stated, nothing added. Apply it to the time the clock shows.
10,32
